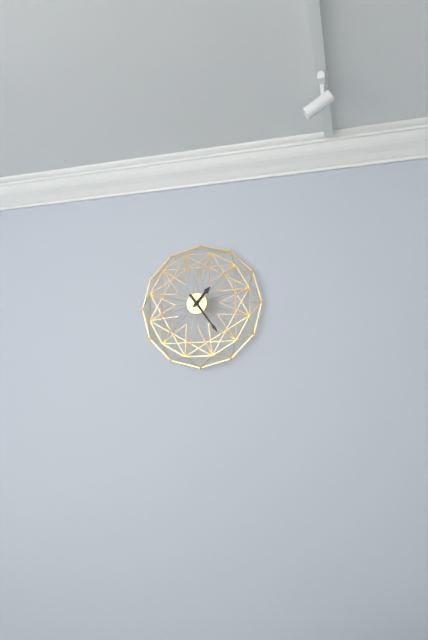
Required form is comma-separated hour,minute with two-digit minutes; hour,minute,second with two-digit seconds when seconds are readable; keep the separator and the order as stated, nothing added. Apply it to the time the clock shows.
1,24
